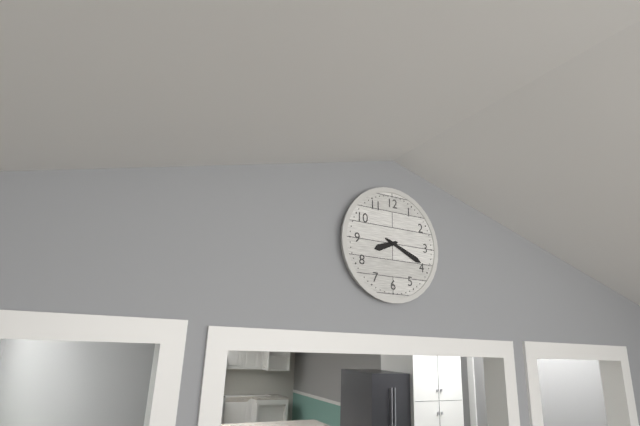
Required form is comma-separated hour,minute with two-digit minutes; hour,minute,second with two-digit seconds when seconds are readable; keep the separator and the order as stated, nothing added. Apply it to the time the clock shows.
8,19
